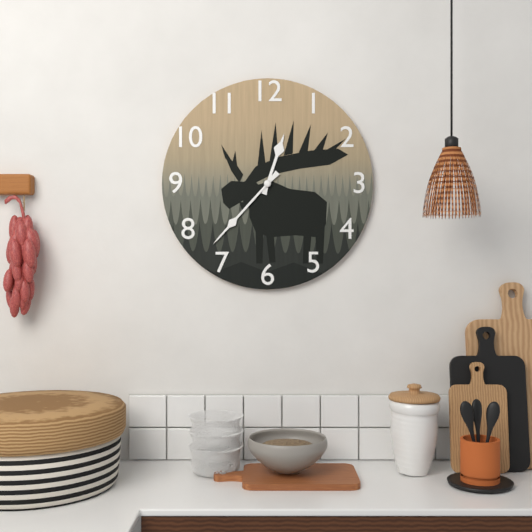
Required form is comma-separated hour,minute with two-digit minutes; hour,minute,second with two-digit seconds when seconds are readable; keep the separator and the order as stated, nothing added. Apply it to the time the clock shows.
12,37
